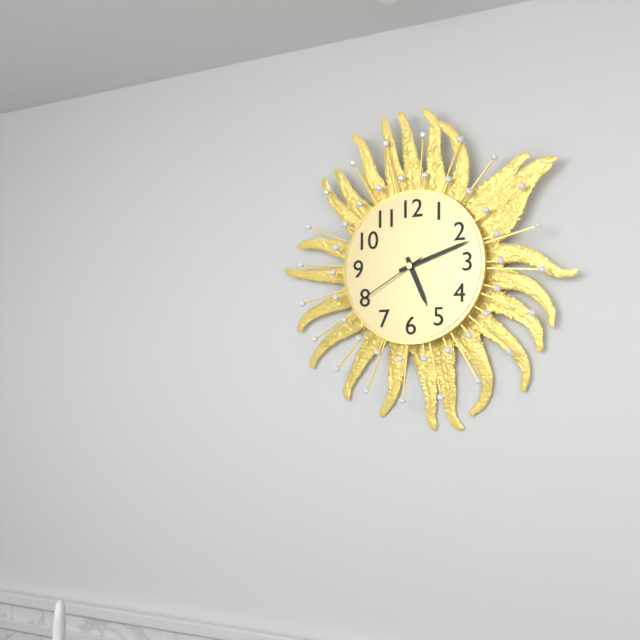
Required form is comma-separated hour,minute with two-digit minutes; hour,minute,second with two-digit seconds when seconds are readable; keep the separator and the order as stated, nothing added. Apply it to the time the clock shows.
5,12,40
